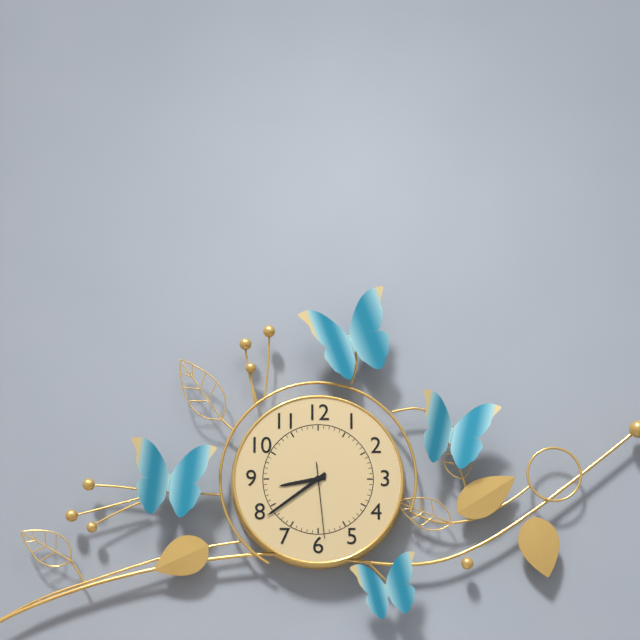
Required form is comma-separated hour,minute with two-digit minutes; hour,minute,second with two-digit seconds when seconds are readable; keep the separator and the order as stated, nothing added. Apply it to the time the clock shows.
8,39,29
